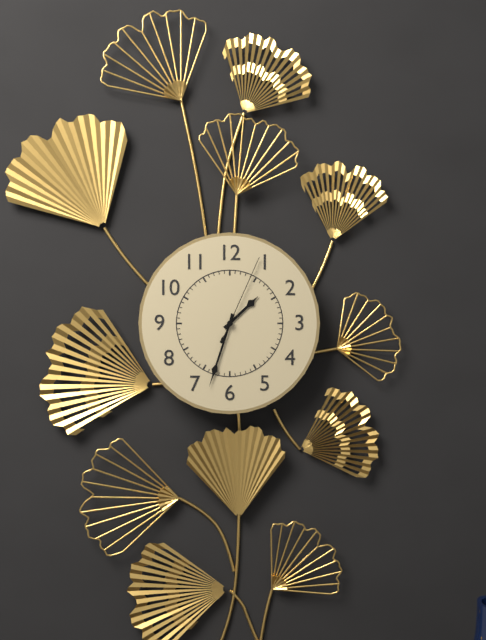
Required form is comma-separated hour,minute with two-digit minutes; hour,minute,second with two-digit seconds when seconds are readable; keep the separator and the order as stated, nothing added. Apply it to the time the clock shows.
1,33,04
